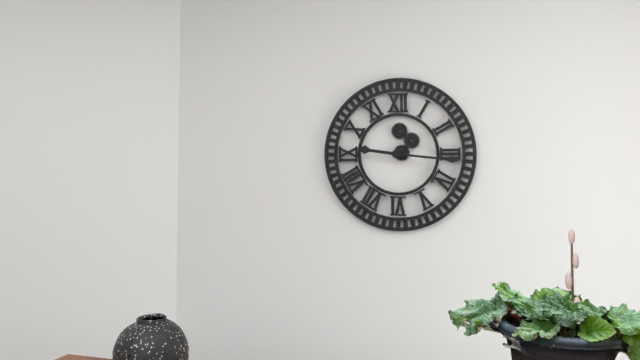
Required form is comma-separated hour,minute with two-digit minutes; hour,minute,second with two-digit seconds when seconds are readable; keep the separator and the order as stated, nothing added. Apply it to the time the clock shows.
9,16
